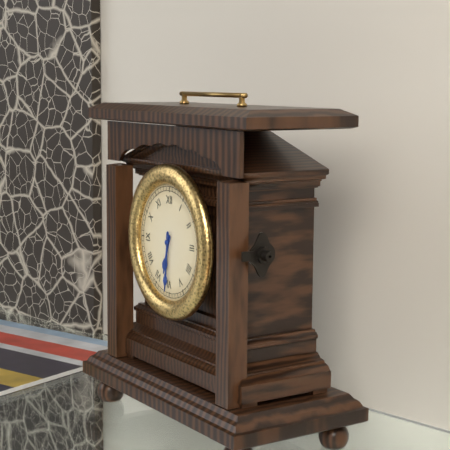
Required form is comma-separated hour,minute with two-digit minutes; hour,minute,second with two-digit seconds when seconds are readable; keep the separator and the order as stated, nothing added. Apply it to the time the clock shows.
6,31
